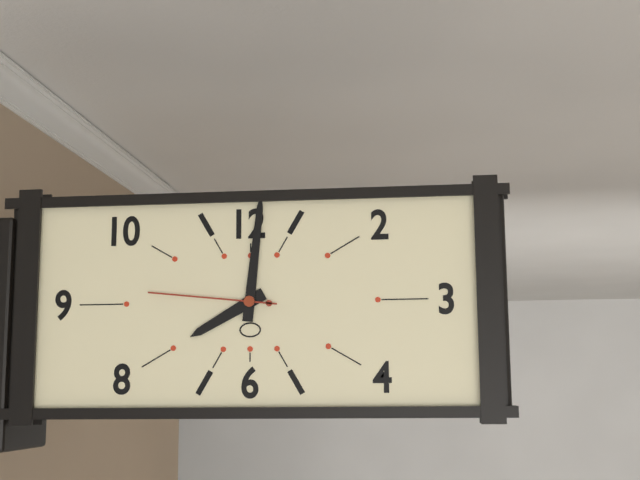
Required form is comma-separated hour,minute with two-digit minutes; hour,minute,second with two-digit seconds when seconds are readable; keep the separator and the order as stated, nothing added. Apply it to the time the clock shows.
8,01,46
